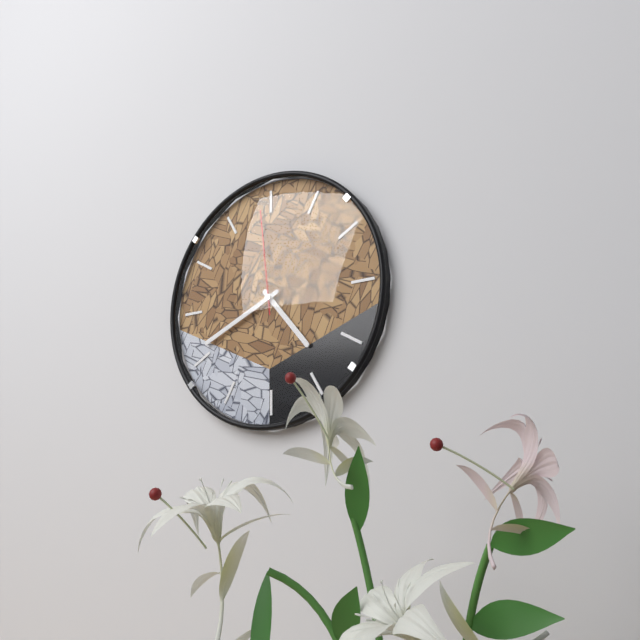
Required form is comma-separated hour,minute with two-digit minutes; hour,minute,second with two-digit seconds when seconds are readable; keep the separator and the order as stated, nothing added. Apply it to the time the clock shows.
4,41,59
